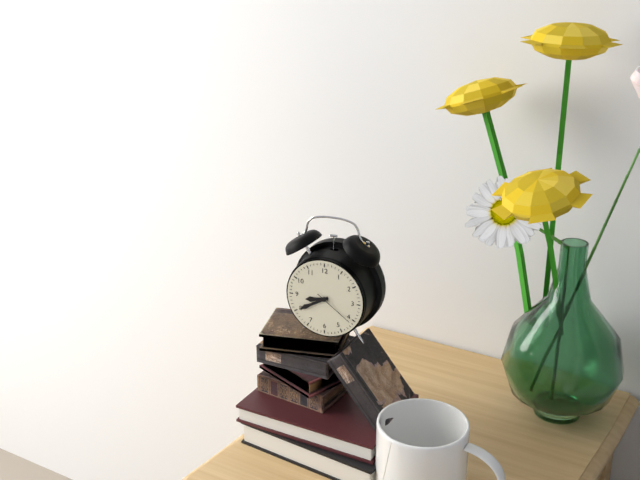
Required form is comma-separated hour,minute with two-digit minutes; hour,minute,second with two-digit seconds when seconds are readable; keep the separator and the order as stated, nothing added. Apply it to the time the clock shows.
8,40
